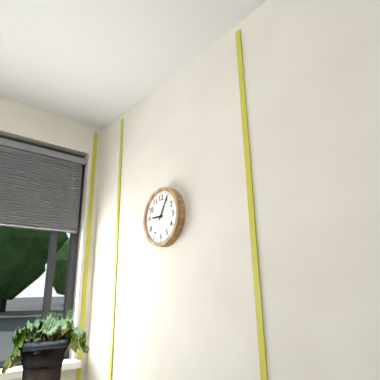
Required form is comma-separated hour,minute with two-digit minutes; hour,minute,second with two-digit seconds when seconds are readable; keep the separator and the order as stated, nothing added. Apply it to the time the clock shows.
9,05
